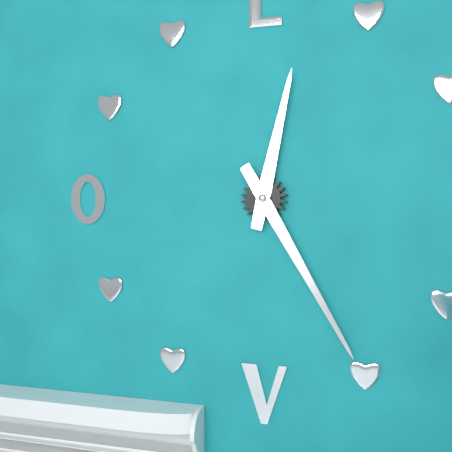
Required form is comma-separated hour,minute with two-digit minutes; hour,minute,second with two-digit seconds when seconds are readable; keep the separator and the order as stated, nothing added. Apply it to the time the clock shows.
12,25
